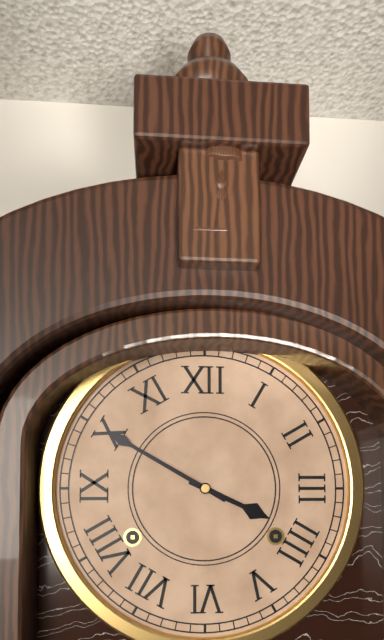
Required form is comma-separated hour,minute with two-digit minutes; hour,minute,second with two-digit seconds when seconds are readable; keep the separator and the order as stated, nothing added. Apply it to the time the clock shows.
3,50
